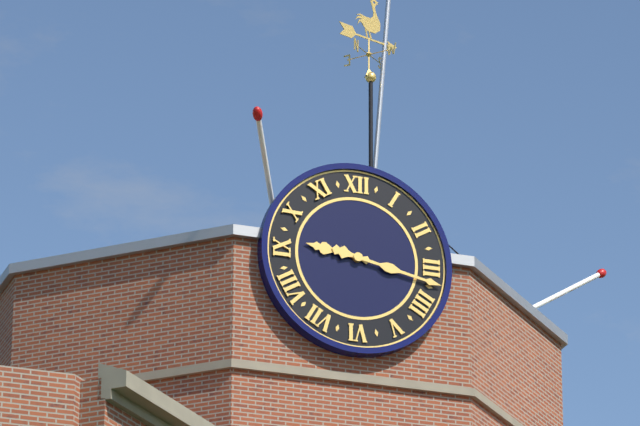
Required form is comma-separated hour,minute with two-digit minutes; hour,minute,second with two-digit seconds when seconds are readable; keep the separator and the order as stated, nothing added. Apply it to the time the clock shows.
9,17
